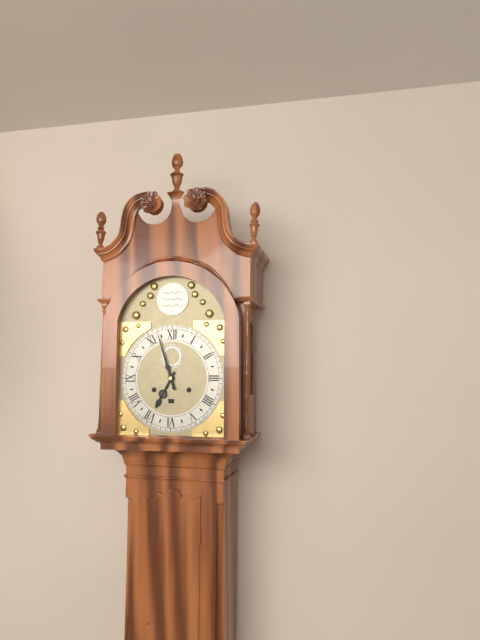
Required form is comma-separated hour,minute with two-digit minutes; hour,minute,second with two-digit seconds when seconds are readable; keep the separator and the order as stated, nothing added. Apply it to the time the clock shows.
6,57
